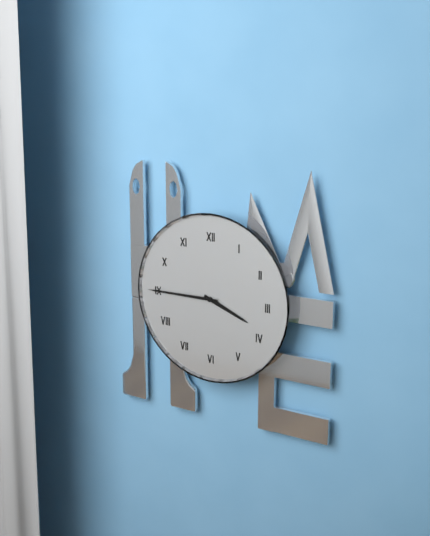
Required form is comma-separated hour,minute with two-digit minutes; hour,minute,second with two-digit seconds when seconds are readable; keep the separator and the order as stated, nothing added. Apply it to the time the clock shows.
3,45
